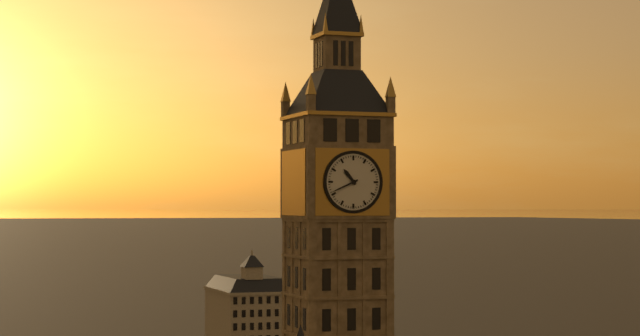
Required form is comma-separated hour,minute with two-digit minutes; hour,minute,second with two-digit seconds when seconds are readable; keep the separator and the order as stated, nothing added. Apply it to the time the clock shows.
10,41
